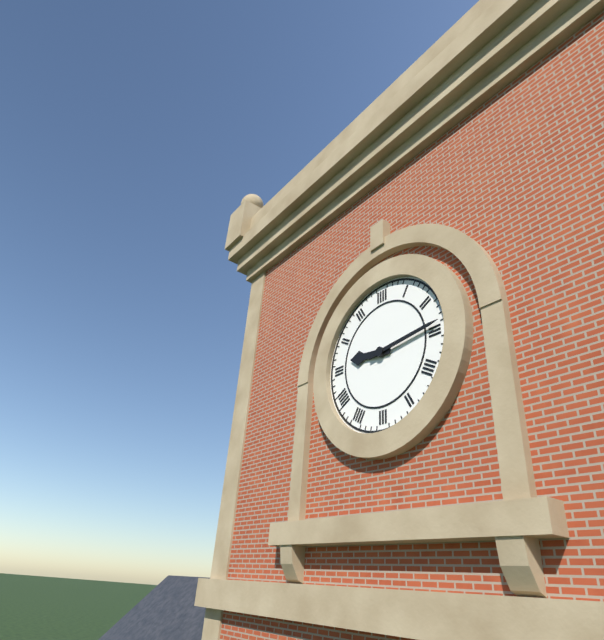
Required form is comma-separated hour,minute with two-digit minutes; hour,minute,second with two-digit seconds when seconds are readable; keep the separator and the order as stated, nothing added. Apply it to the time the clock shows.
9,14
